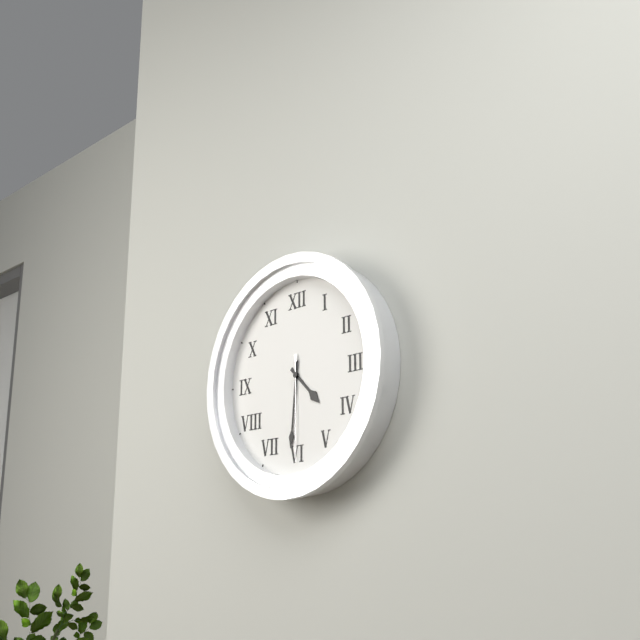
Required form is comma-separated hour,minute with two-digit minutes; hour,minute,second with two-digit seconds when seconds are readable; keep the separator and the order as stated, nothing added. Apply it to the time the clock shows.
4,31,30
